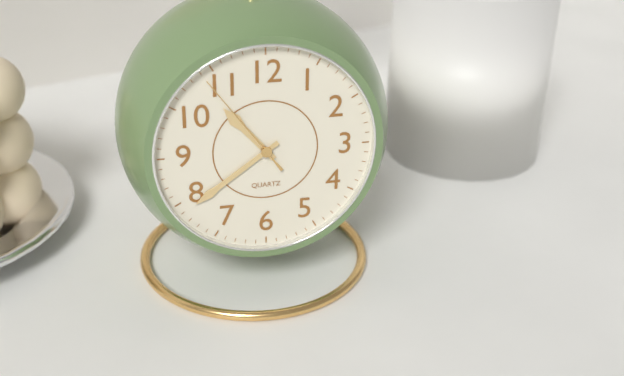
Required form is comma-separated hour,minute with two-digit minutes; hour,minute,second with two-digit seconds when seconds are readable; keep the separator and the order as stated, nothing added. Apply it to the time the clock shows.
10,39,54
